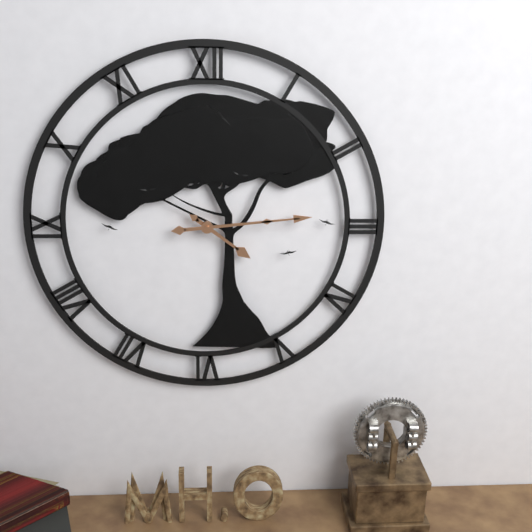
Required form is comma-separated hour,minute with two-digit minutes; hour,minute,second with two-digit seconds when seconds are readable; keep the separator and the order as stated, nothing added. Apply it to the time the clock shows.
4,14
